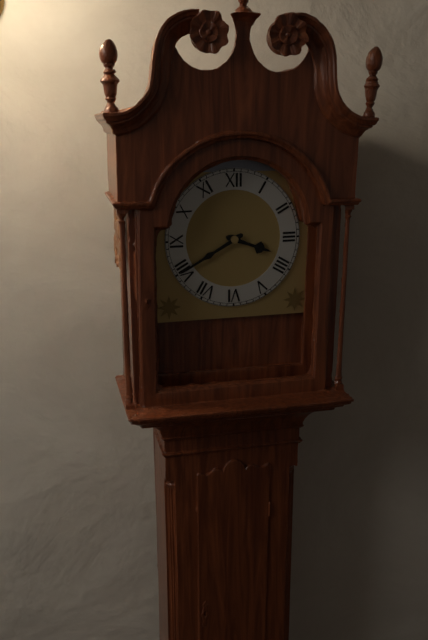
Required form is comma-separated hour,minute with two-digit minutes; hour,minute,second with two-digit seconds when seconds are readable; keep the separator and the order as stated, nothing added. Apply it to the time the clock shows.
3,40
